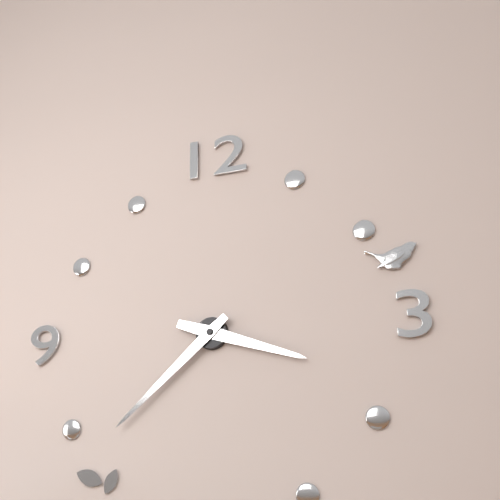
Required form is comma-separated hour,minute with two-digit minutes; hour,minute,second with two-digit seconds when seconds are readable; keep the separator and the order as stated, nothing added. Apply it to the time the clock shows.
3,38
